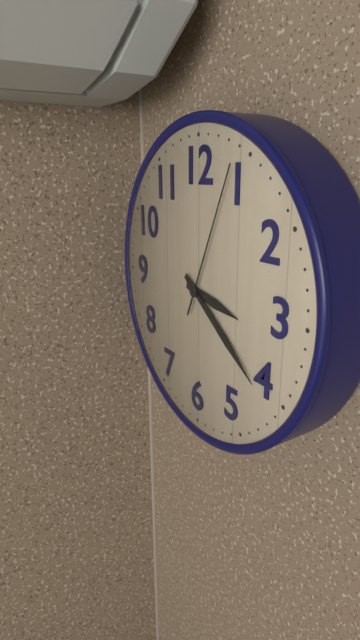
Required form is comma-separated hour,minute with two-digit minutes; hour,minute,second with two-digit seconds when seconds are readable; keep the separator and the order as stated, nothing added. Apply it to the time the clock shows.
3,21,04
